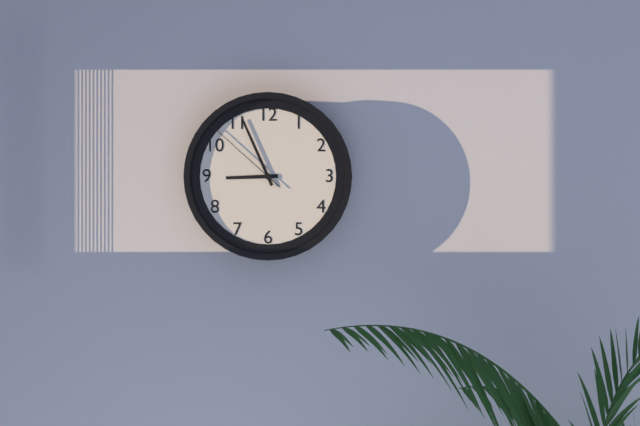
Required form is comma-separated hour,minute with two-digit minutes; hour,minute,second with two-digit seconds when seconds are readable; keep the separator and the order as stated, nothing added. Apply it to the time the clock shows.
8,56,52
